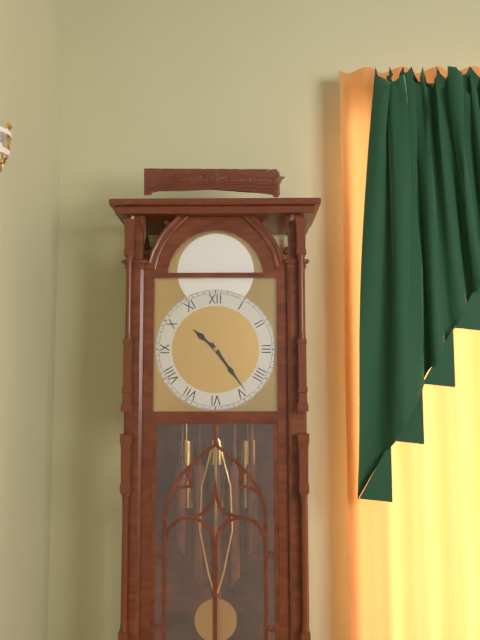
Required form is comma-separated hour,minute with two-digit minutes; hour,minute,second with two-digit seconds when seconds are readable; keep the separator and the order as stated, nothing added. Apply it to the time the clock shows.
10,24
